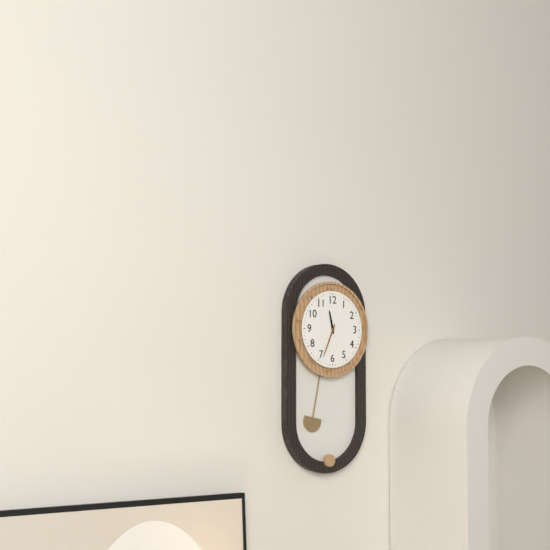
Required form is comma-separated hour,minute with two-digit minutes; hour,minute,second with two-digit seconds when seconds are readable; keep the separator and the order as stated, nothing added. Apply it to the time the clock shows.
11,34
